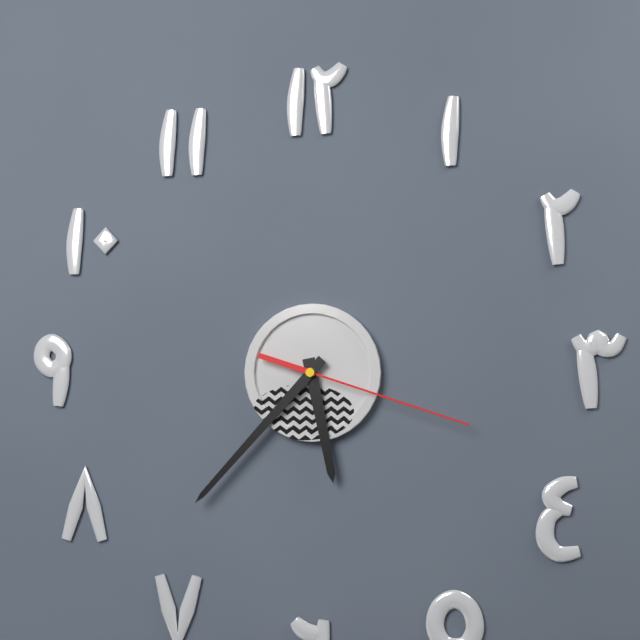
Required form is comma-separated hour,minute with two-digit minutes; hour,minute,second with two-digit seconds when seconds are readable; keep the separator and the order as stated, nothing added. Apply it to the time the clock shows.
5,37,18
